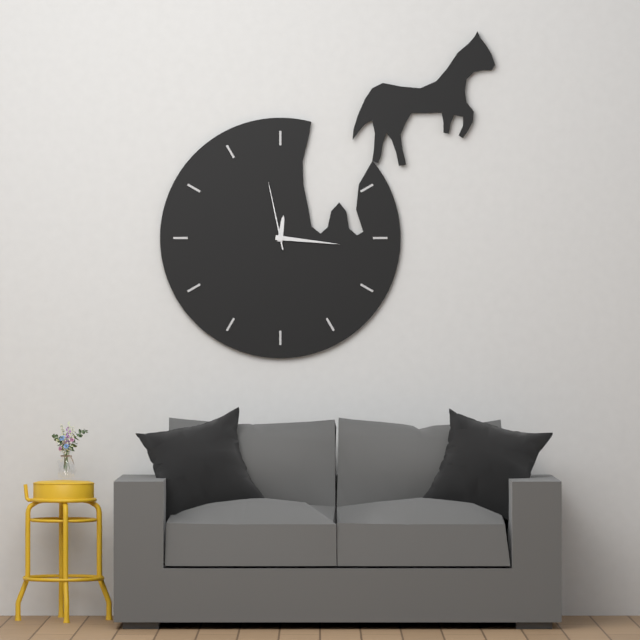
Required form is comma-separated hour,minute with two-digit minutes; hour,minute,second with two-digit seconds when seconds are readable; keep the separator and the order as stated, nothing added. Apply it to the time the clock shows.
12,16,58
